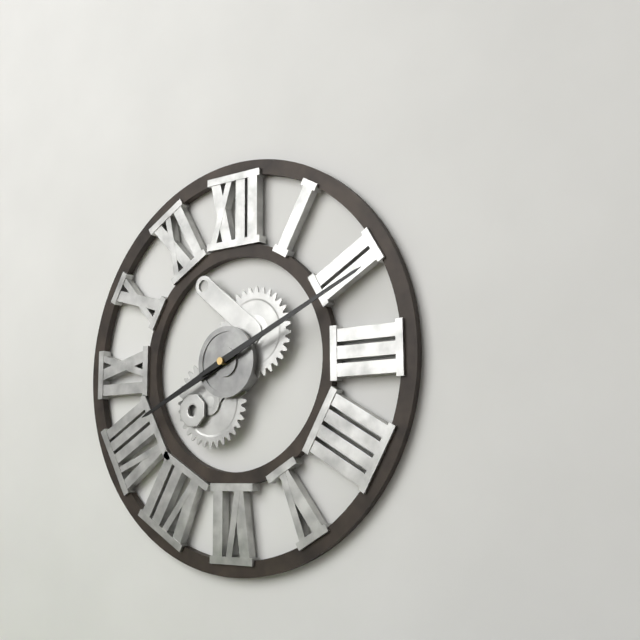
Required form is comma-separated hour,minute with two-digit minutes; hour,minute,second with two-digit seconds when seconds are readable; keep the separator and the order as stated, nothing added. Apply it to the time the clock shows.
8,11
